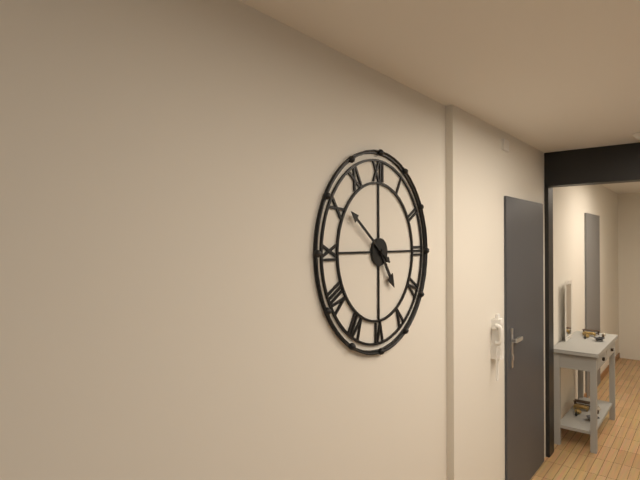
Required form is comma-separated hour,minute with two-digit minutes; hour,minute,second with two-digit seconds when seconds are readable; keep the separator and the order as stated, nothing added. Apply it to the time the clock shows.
4,51
